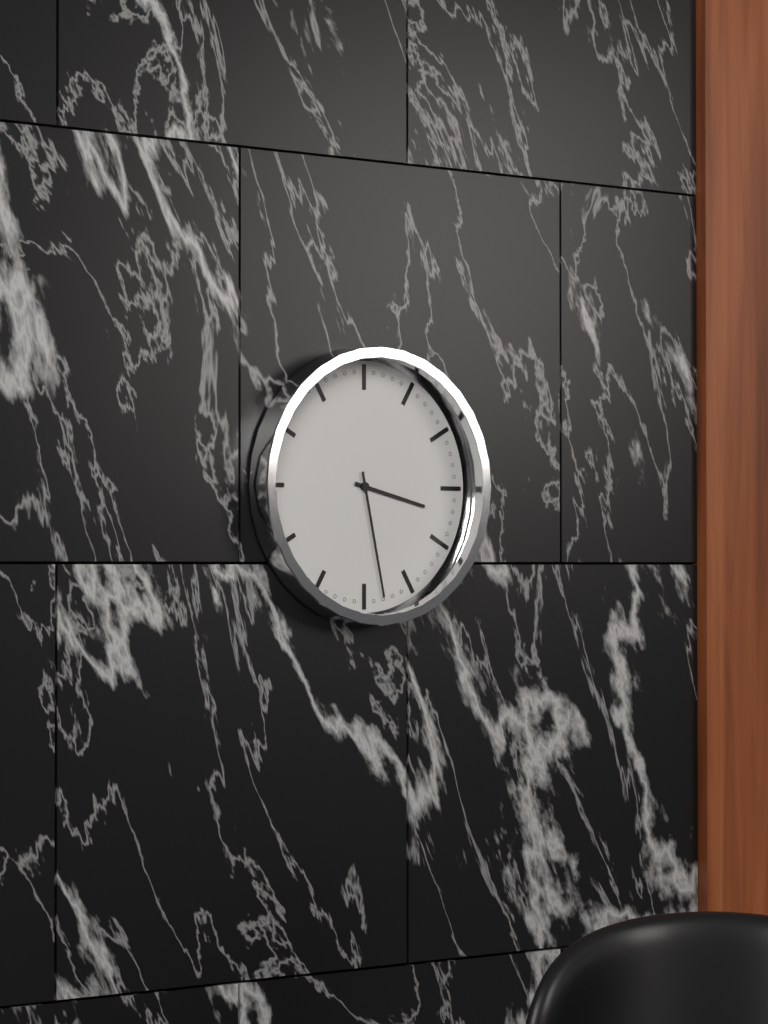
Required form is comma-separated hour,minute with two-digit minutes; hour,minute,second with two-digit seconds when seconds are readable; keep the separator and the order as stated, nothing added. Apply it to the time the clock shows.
3,28
